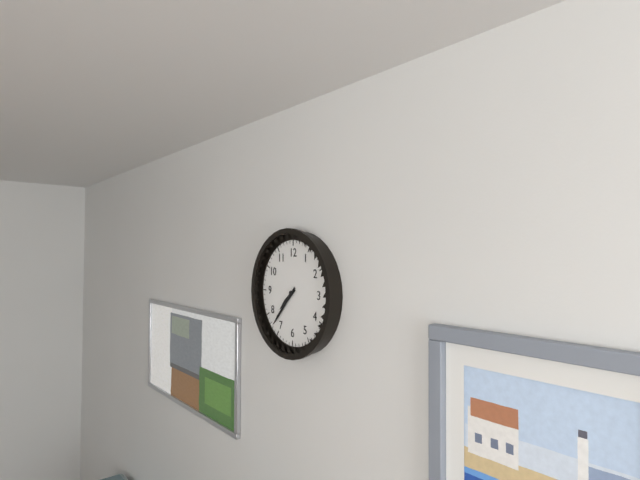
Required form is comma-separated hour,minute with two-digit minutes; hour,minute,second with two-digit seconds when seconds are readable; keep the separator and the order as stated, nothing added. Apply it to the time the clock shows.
7,37
